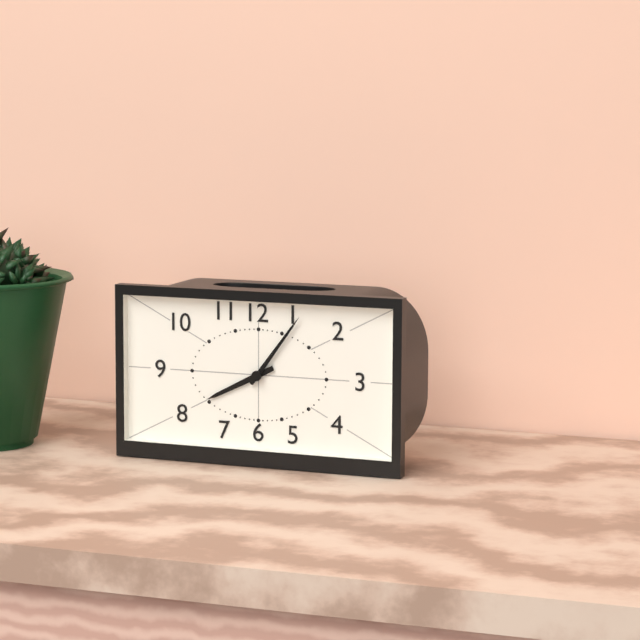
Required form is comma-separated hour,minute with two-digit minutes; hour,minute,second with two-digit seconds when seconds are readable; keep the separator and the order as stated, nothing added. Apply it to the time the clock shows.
8,06
